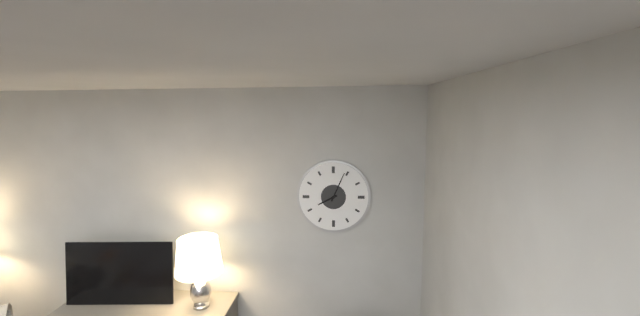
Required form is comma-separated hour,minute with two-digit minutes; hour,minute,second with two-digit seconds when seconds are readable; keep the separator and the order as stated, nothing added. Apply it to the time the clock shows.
8,04
